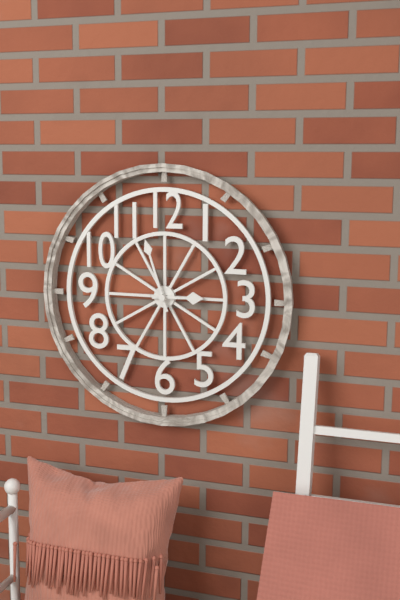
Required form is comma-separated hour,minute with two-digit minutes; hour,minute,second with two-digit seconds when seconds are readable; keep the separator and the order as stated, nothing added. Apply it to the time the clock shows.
2,57
